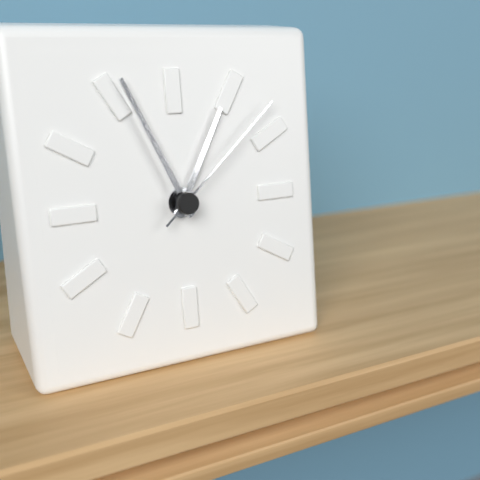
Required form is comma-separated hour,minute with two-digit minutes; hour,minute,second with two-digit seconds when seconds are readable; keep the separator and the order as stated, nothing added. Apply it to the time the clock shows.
12,56,08
